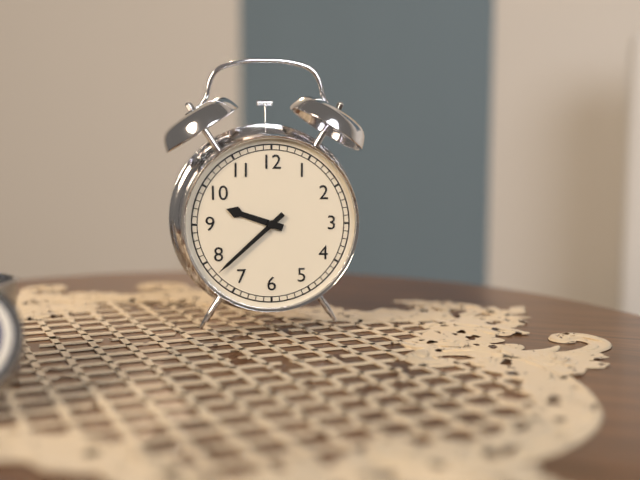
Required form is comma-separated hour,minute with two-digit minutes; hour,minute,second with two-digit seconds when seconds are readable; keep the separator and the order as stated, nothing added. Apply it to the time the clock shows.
9,38
